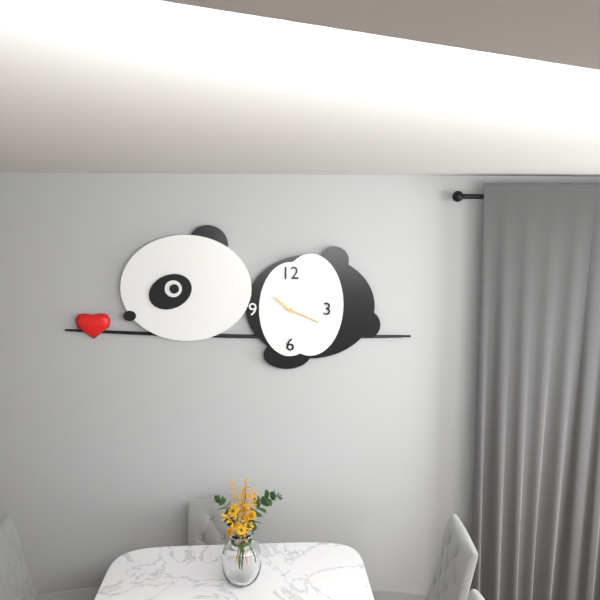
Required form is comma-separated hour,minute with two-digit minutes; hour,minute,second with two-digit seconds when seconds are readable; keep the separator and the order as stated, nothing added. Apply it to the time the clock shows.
10,19
